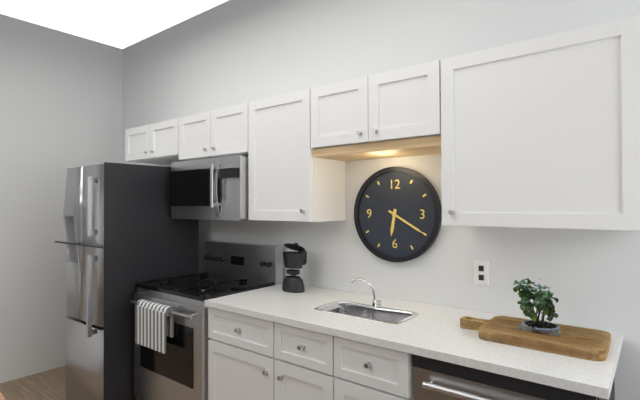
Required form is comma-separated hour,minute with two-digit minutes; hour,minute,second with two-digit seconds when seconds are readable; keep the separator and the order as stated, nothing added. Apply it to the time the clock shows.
6,20
